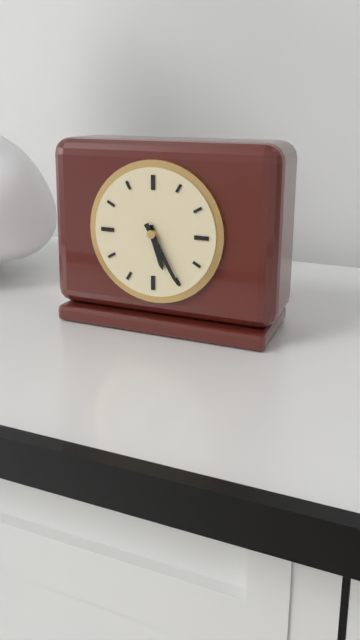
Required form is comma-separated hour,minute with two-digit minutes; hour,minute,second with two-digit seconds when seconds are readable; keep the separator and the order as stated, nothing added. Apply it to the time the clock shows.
5,25
